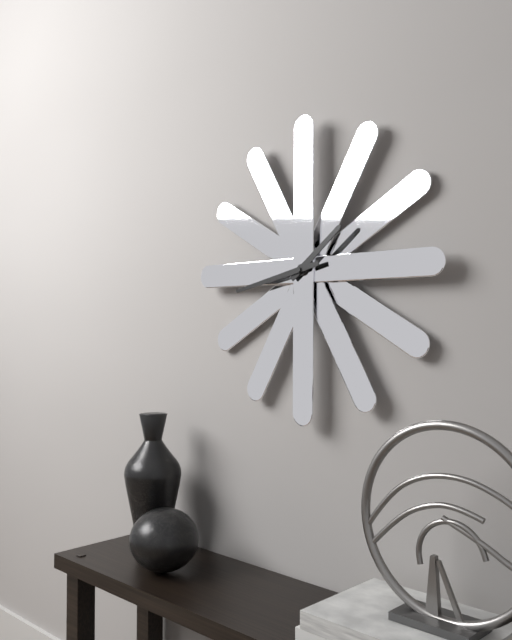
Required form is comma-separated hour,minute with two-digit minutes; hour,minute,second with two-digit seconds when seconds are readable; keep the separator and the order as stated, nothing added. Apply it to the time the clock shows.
1,43
